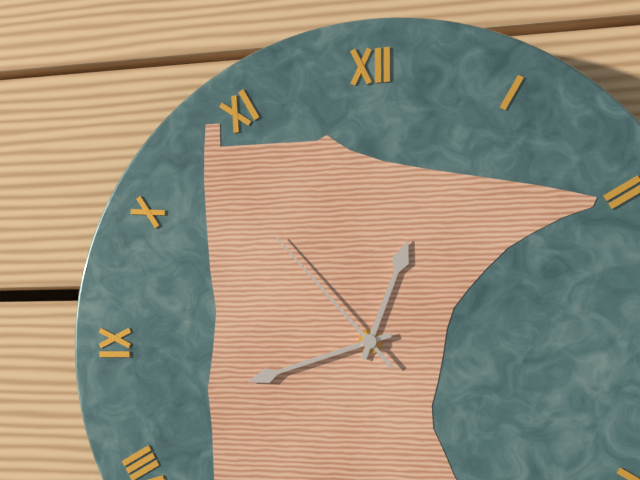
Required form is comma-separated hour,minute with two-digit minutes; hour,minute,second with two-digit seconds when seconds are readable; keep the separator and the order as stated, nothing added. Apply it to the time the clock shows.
12,42,53
